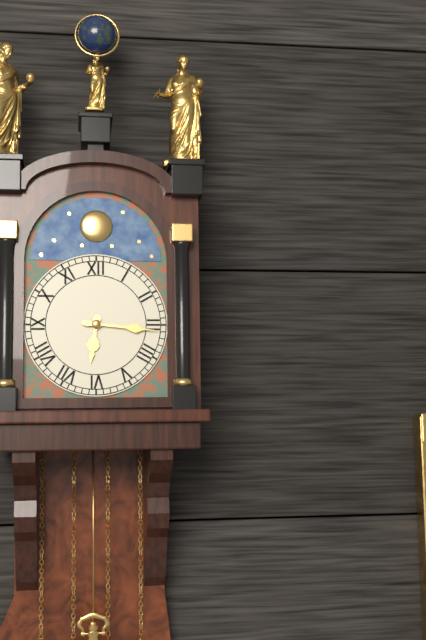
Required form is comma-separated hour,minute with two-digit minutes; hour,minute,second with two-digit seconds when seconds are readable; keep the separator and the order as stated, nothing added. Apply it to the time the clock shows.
6,16
